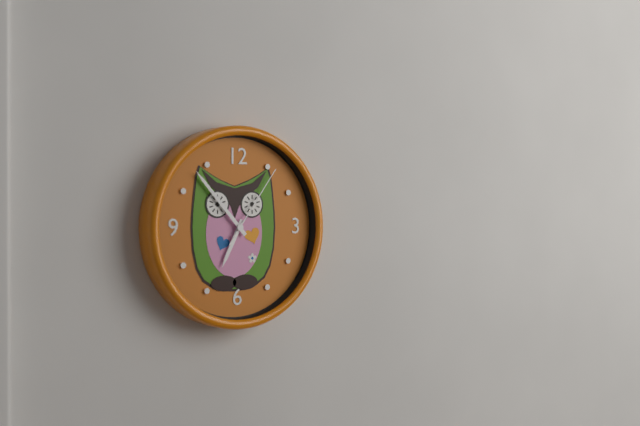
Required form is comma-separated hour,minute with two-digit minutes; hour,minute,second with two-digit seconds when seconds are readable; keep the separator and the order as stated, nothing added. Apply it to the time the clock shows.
6,53,06
